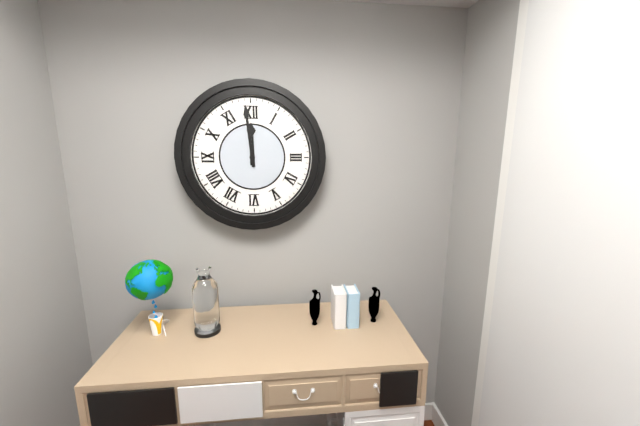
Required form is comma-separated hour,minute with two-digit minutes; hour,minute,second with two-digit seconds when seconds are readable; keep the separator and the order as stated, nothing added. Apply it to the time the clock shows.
11,59
